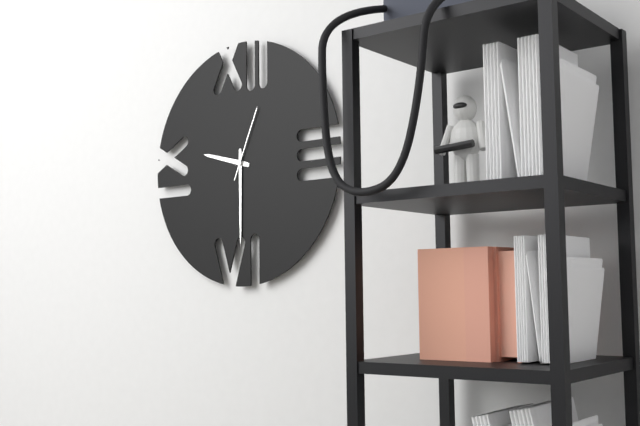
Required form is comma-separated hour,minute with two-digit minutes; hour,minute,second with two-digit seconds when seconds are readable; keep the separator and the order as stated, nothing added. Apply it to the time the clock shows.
9,30,04
